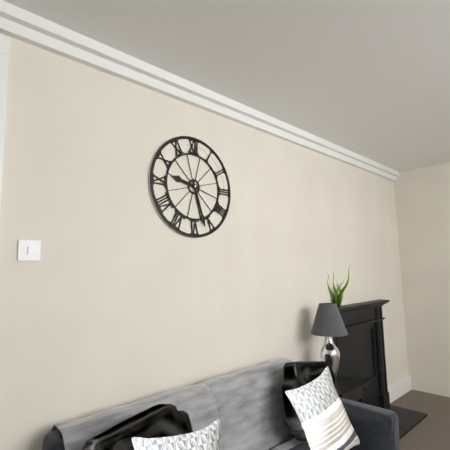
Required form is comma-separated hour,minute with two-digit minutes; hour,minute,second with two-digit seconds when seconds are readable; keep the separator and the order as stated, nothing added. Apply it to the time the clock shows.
9,27
